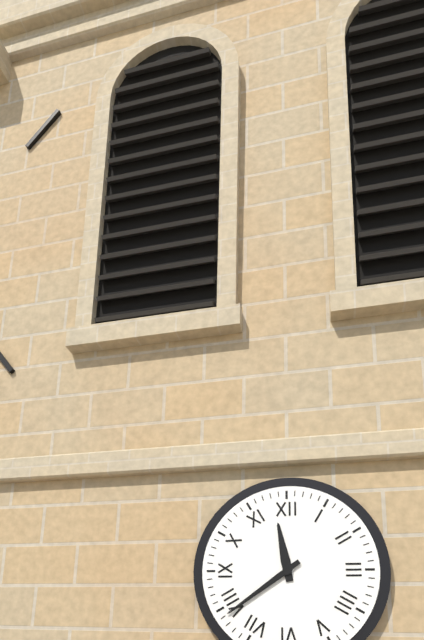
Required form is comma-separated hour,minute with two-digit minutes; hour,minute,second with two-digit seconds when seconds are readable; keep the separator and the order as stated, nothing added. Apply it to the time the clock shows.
11,39
